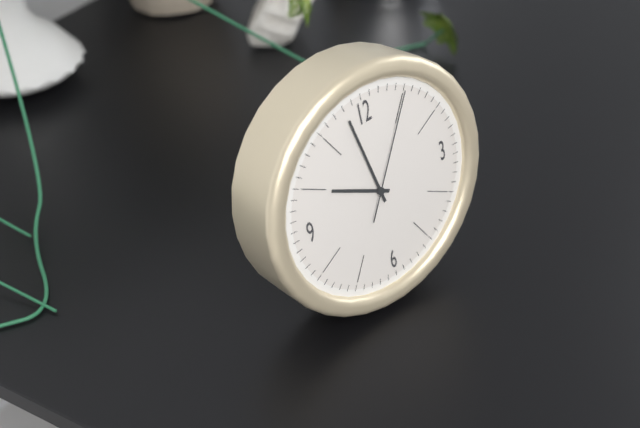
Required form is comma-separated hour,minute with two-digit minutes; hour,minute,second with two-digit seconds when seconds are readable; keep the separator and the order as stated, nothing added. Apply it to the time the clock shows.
9,58,05
